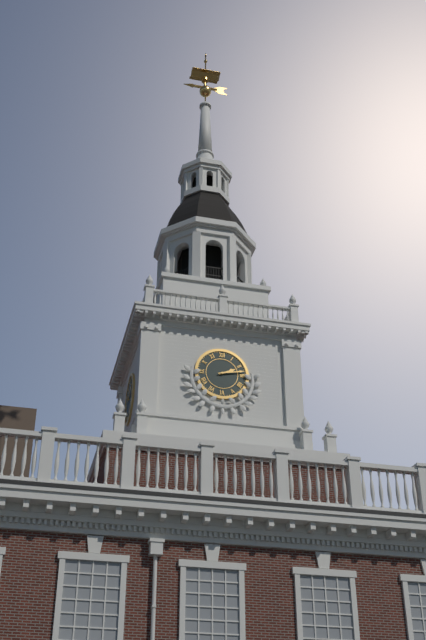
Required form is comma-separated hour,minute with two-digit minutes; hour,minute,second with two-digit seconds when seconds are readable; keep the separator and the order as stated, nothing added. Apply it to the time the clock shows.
2,13
